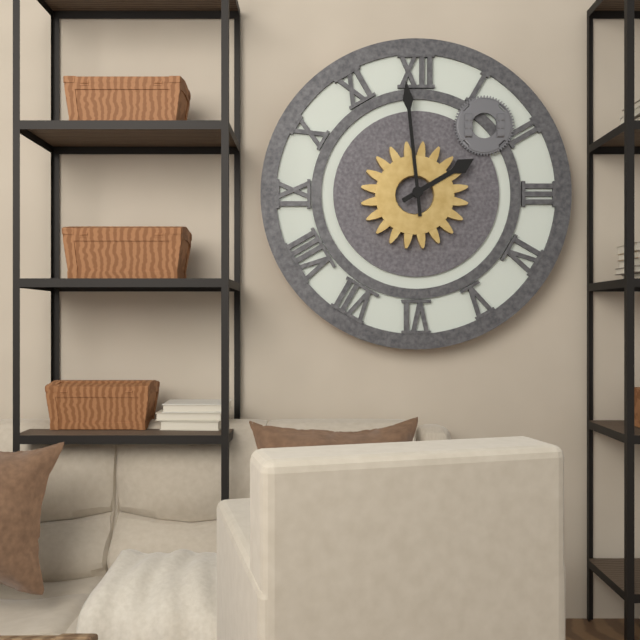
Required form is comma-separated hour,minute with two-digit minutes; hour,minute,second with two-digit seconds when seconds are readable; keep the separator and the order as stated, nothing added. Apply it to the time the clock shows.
1,59
